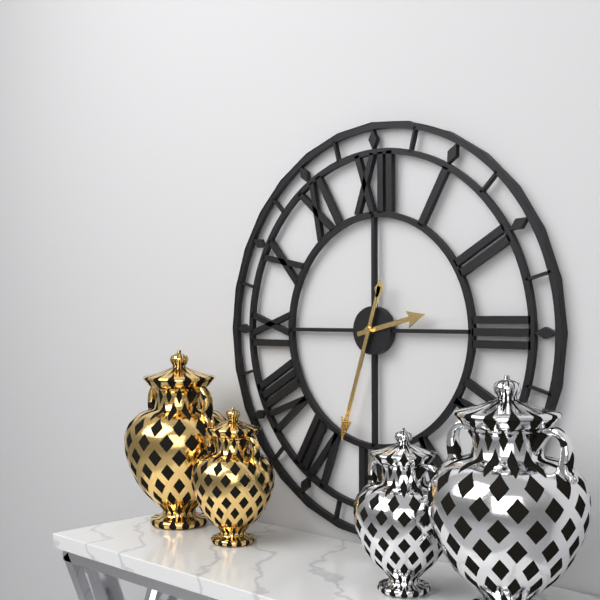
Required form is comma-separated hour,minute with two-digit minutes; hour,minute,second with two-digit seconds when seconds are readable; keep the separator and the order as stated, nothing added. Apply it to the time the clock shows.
2,33
